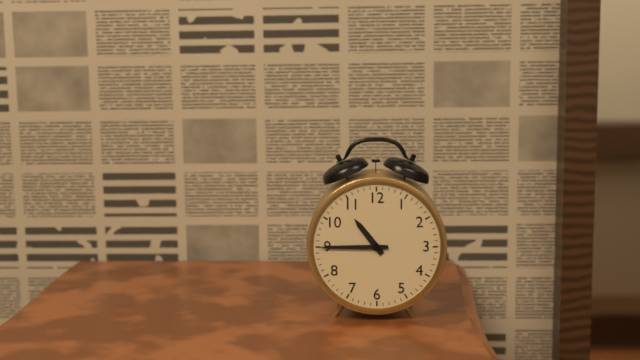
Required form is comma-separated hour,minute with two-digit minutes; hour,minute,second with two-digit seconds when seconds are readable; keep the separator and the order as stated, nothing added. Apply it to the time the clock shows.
10,45
